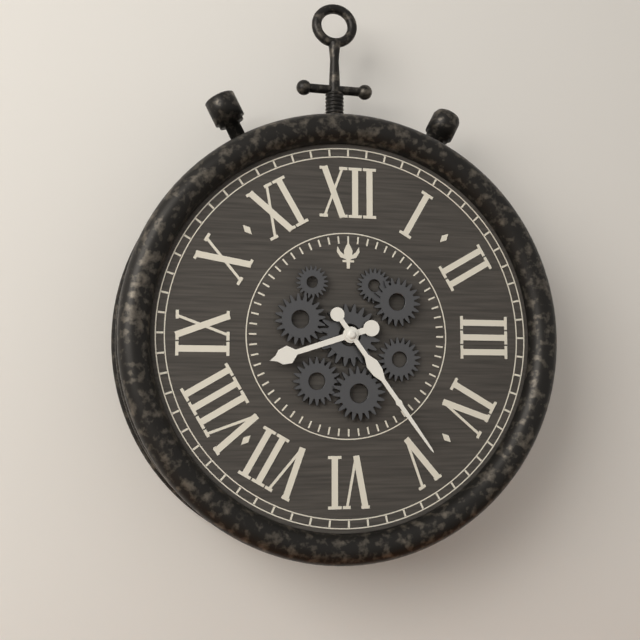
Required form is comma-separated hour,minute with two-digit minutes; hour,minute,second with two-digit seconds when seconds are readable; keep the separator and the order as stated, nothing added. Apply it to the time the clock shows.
8,24
